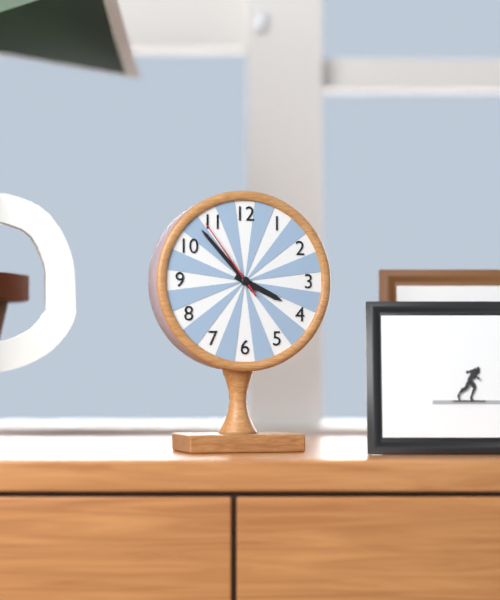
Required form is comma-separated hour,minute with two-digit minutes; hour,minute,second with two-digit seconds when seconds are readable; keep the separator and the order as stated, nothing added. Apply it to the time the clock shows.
3,53,54
